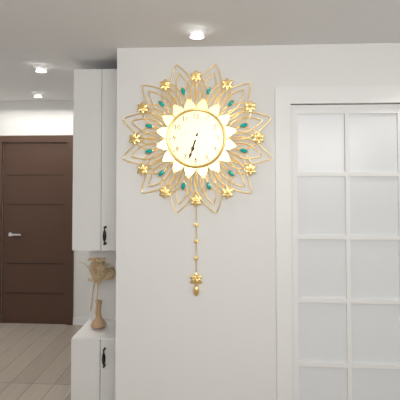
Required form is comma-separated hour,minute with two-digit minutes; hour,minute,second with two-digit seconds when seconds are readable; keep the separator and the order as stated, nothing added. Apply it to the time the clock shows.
6,33
